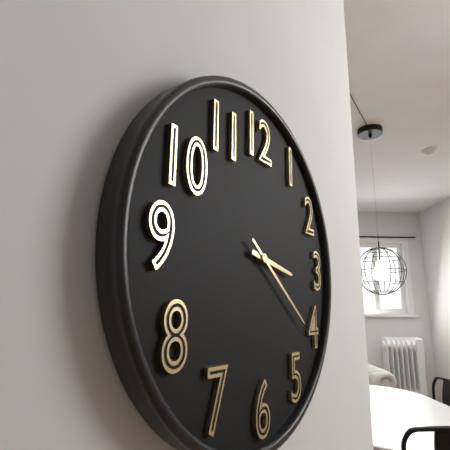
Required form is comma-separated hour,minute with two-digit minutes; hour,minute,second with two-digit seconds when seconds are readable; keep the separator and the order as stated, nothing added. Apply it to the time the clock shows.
3,21
